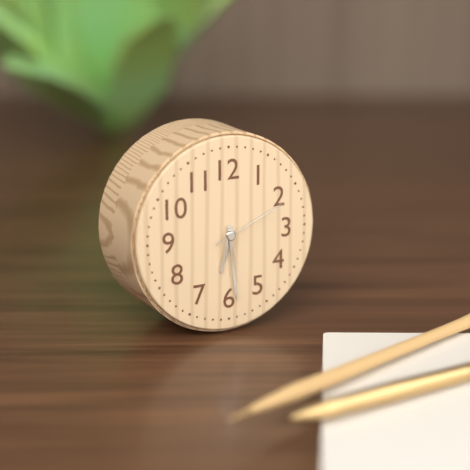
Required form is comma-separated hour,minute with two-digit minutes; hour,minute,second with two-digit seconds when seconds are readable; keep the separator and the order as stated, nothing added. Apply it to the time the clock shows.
6,29,11
